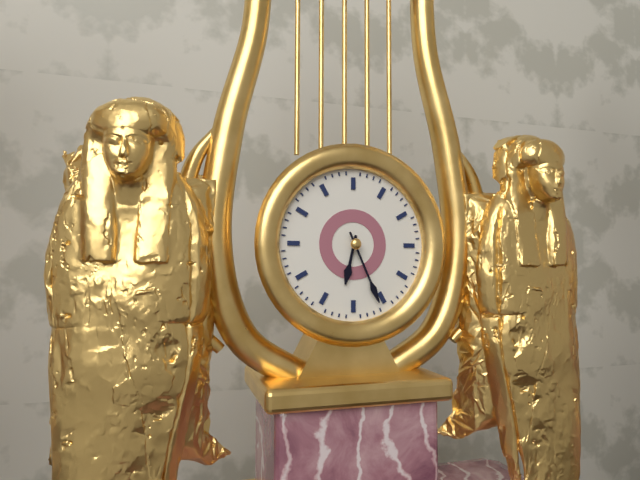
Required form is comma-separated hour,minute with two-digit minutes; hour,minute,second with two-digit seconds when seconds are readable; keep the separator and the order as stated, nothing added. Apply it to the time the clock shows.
6,26
